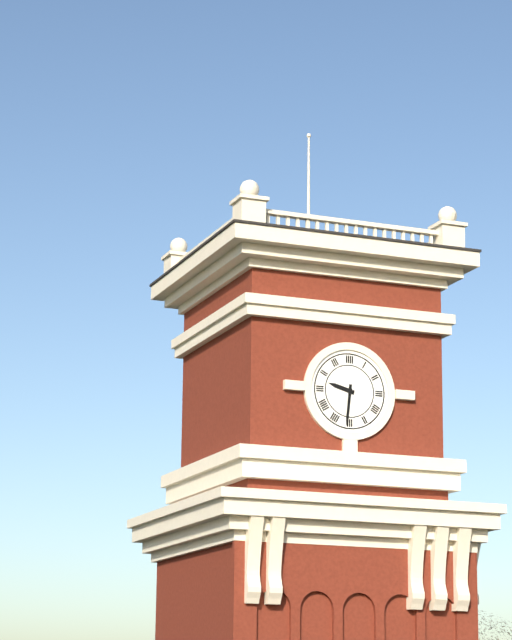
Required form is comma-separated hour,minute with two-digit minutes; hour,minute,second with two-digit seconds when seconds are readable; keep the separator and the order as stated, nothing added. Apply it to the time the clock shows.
9,31
